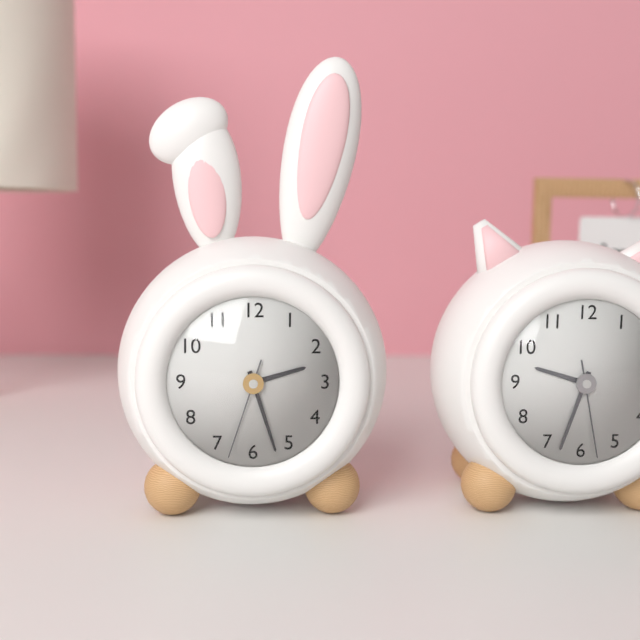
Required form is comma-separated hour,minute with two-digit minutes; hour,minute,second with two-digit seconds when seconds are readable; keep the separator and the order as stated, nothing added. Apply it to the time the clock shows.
2,27,33
